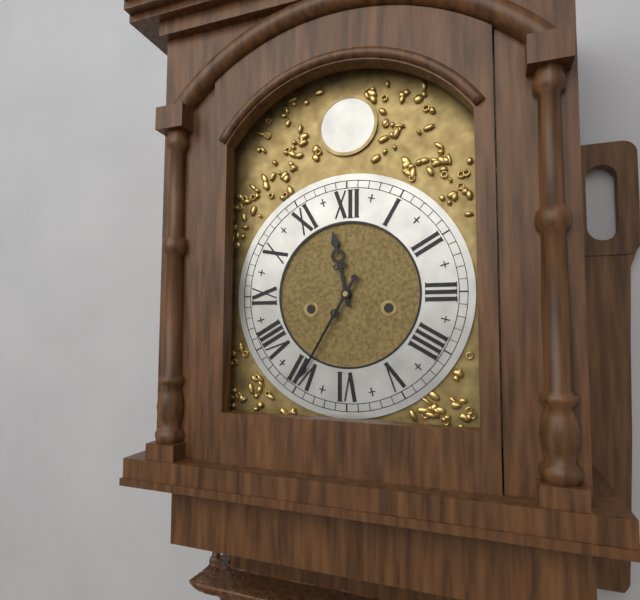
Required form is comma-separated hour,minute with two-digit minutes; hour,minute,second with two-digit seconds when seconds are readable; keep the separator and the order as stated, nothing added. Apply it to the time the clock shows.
11,35
